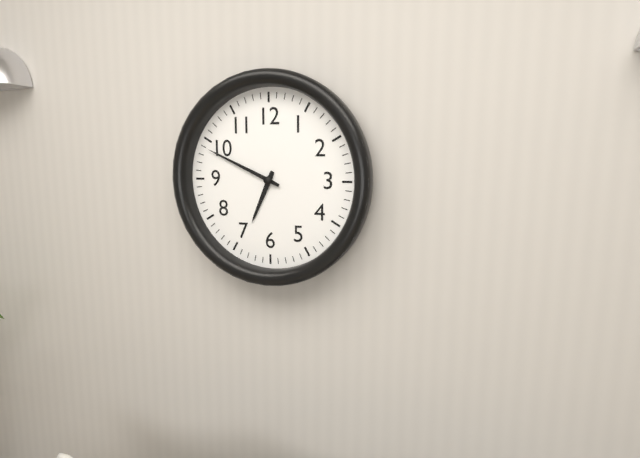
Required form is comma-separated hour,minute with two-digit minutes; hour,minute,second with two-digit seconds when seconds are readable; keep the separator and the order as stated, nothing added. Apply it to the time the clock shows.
6,49
